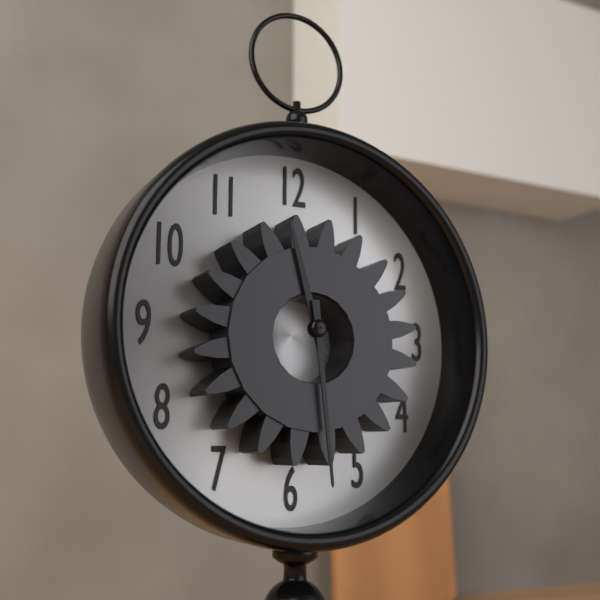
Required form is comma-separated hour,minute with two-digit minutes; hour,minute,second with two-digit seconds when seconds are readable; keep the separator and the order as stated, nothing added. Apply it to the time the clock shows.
11,29
